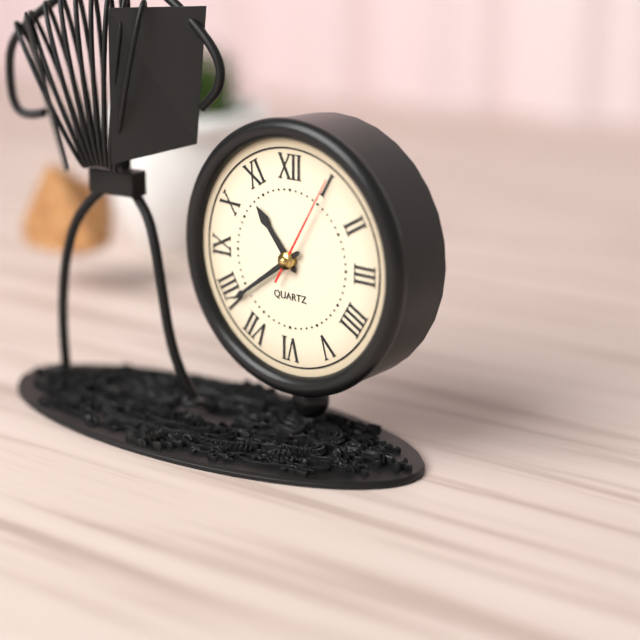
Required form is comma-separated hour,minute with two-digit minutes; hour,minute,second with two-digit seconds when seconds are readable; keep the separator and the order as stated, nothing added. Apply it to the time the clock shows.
10,39,05
